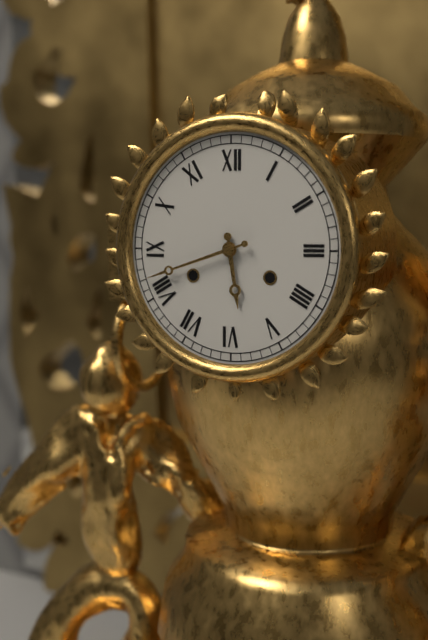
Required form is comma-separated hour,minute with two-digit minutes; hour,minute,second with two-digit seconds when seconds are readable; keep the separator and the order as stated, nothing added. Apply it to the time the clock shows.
5,42
